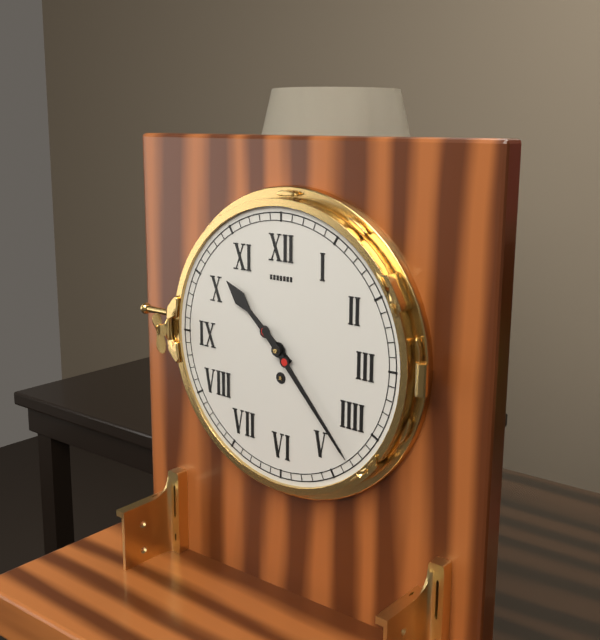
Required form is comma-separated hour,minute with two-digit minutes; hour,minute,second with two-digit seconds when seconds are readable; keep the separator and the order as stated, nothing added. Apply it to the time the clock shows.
10,23
